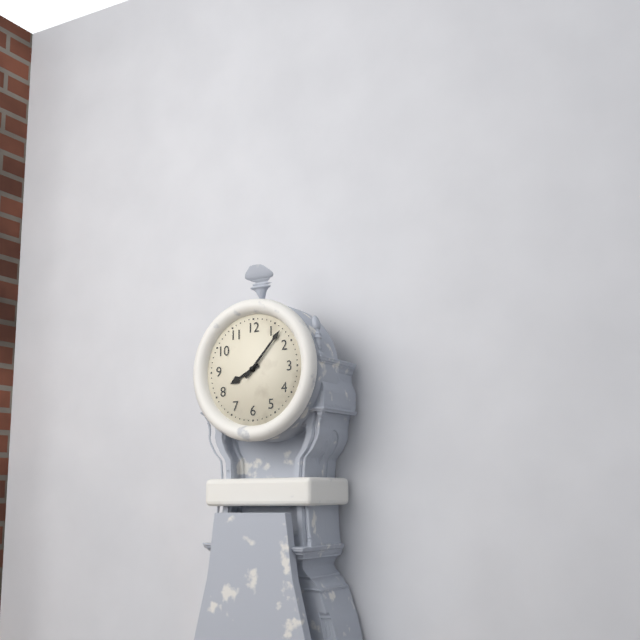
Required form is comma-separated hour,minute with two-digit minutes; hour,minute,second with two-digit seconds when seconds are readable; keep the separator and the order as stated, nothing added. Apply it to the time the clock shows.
8,07
